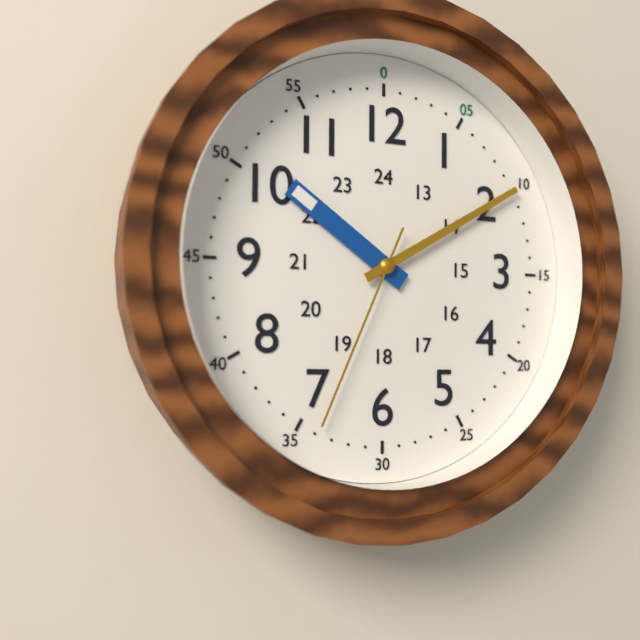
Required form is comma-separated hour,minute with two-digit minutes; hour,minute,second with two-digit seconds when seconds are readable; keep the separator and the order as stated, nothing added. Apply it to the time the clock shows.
10,10,34
